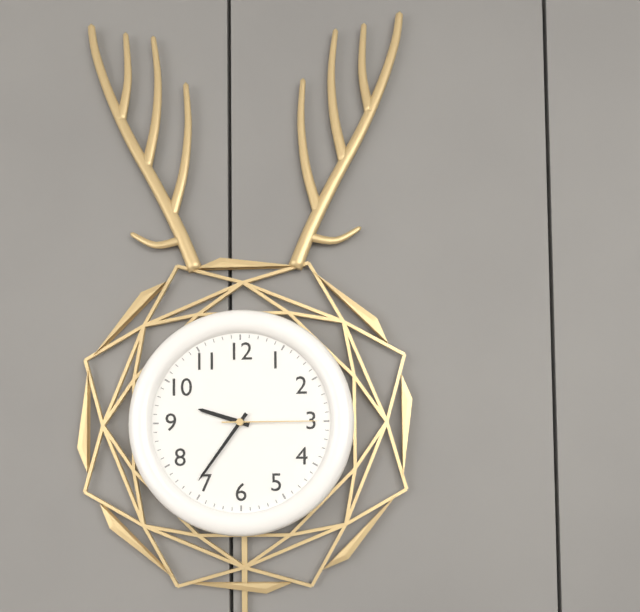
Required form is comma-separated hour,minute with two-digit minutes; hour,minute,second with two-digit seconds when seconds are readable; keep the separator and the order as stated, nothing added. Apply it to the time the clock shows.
9,36,15
